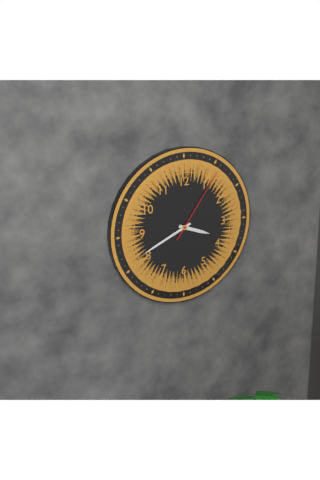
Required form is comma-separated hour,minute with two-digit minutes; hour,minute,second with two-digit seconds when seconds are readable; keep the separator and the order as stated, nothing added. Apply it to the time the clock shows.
3,41,06
